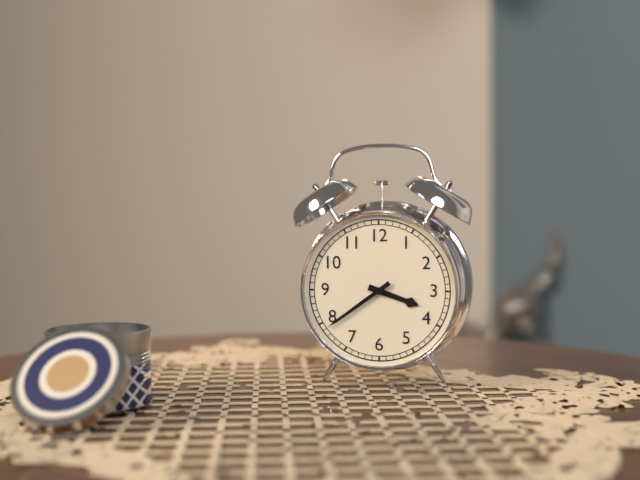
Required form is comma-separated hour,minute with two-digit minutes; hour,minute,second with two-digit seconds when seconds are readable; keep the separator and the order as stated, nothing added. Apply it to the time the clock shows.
3,39
